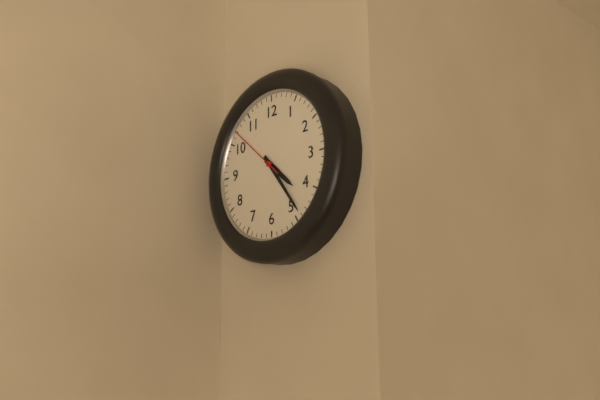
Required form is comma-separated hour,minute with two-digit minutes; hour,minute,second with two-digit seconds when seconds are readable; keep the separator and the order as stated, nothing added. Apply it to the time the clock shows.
4,24,52
